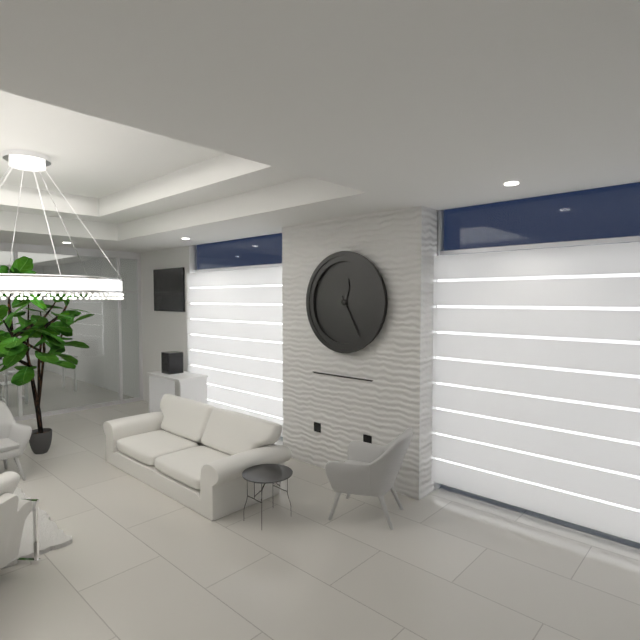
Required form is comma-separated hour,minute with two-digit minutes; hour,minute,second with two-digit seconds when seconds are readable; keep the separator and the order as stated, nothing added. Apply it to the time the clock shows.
12,25
